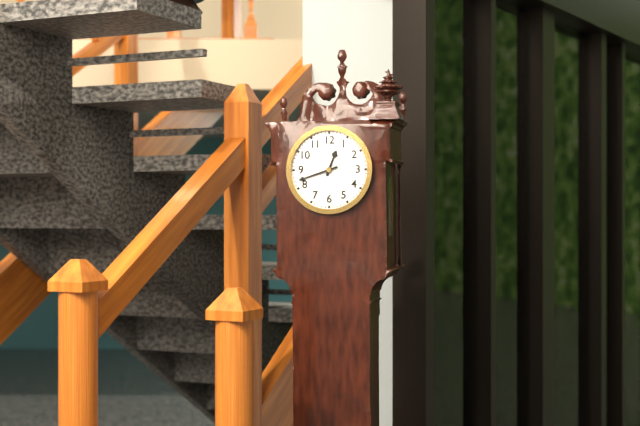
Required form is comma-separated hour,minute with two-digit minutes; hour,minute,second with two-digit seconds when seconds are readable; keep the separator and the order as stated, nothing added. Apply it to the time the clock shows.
12,42
